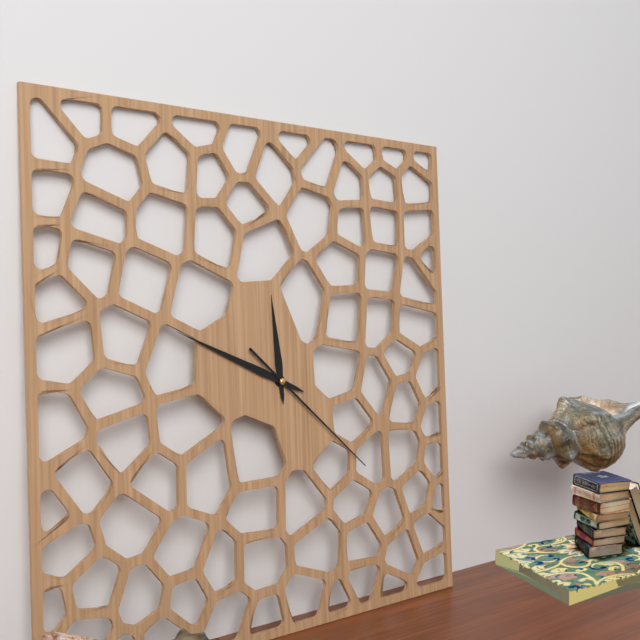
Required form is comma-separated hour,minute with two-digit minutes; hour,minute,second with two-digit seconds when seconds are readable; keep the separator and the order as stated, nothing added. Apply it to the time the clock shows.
11,49,22
